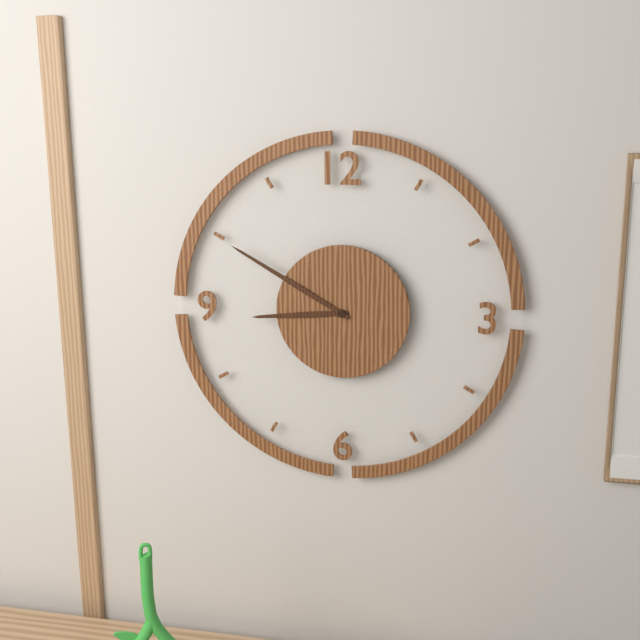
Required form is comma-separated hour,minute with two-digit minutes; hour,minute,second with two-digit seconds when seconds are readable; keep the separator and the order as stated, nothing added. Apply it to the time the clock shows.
8,50
